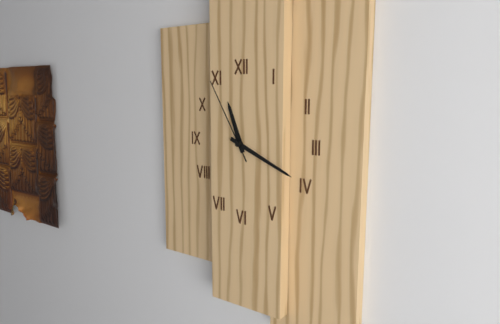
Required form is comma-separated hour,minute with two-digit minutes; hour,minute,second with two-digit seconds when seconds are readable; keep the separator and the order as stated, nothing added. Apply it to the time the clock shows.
11,19,55
